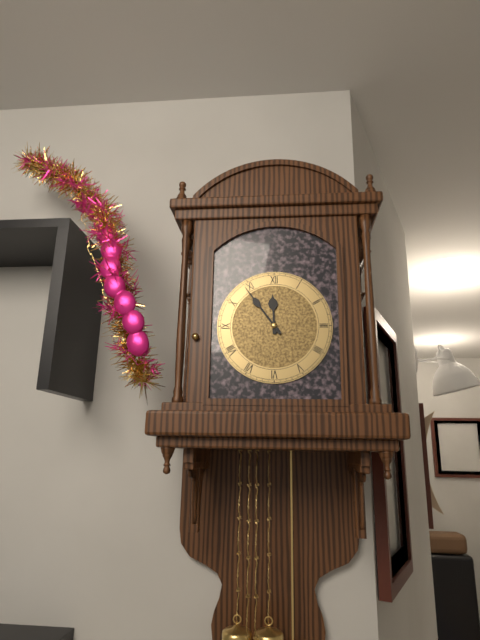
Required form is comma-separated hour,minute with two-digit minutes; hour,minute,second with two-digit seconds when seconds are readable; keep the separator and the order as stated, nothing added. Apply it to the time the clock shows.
11,54
